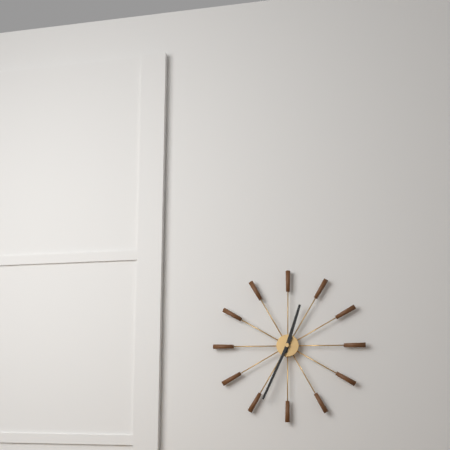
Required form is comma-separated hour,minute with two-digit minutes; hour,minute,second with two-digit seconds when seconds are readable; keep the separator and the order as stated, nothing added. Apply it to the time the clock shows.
12,34
